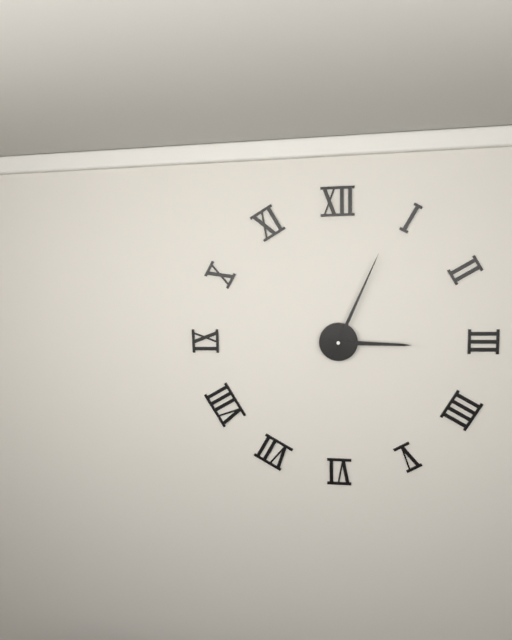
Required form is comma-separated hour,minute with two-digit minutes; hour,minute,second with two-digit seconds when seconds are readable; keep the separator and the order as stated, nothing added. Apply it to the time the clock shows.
3,04
